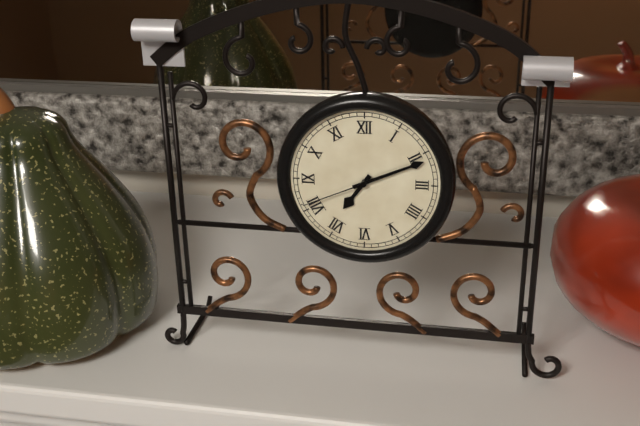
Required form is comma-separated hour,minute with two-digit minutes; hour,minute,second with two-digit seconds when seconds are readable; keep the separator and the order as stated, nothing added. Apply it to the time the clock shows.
7,11,41
